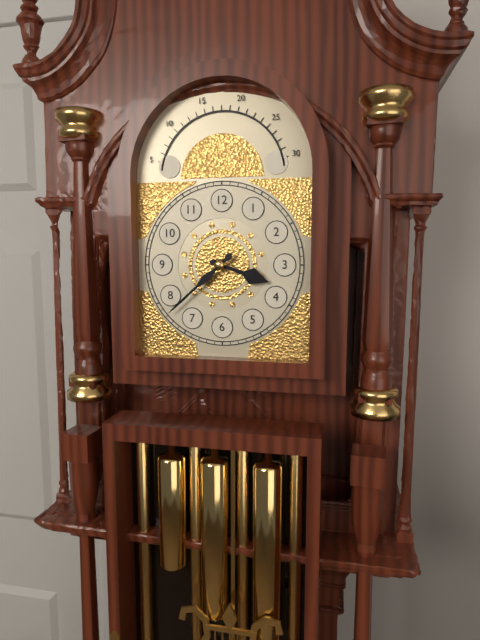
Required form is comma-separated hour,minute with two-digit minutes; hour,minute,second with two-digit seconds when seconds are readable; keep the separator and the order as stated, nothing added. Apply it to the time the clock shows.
3,38
